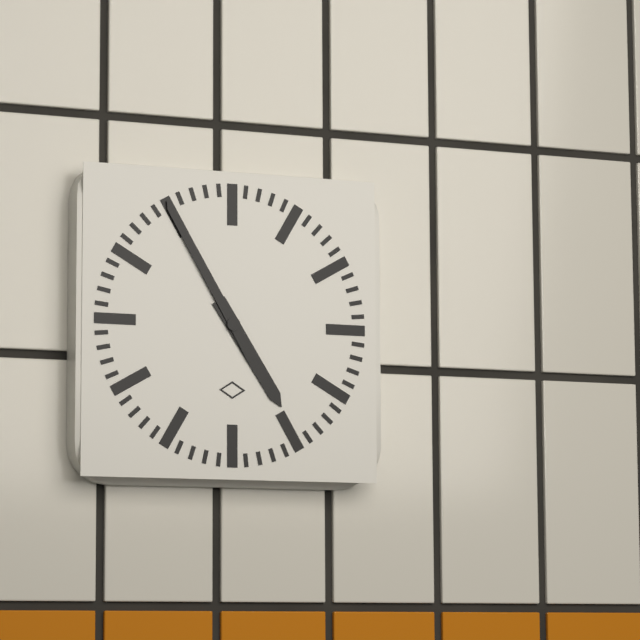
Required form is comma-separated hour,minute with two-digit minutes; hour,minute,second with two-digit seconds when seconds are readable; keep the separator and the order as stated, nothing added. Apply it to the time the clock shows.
4,55
